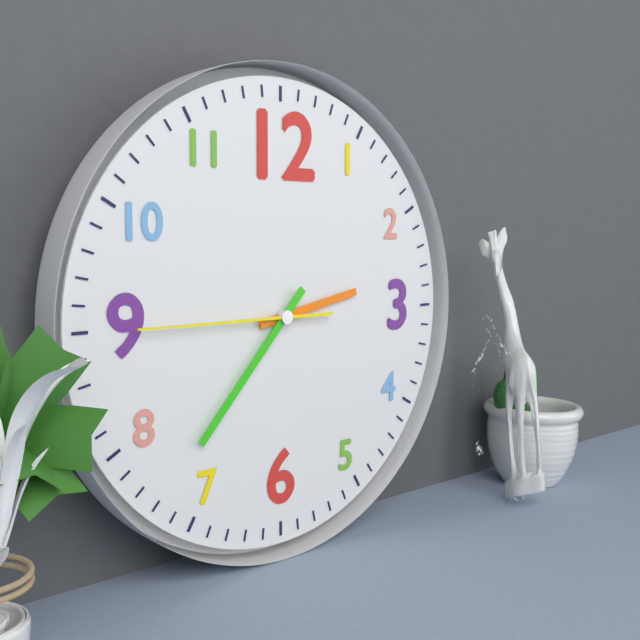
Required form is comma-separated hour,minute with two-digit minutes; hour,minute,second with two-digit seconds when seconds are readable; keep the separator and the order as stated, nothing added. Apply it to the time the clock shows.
2,37,45
